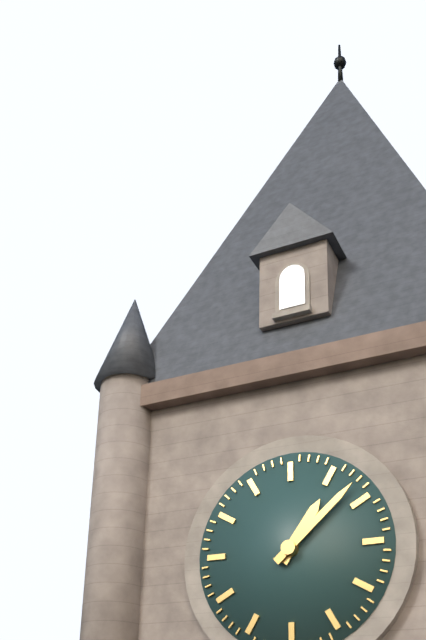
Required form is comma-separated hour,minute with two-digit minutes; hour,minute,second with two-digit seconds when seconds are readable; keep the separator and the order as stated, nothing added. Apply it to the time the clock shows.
1,08
